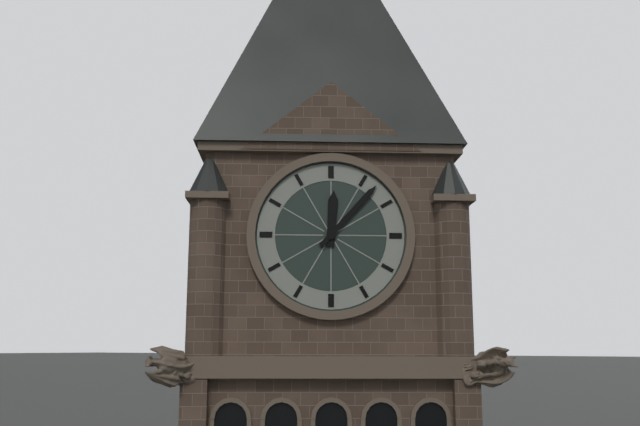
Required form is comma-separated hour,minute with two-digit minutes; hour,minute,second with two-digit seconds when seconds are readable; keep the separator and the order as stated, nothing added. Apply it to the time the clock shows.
12,07
